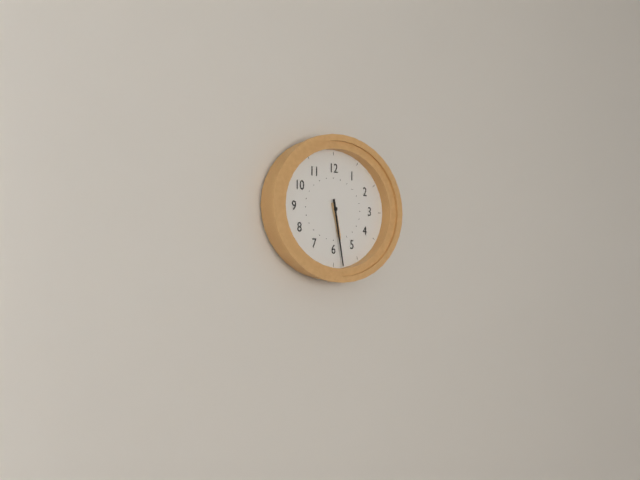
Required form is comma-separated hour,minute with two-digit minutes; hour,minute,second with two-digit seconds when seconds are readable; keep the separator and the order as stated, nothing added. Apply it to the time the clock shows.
5,28
